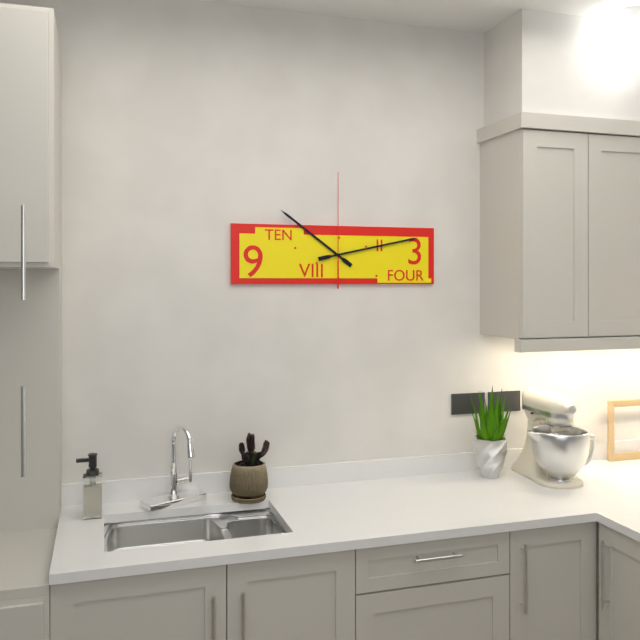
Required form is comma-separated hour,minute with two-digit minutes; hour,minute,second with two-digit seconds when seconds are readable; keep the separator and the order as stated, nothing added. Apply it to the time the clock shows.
10,13,00
